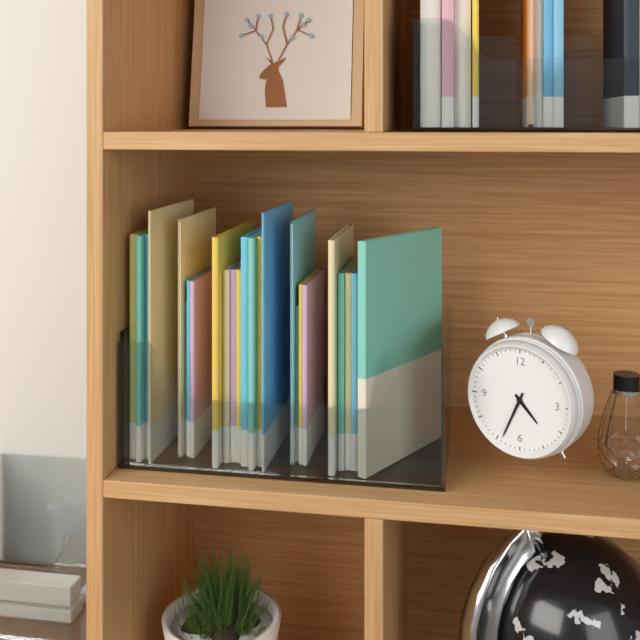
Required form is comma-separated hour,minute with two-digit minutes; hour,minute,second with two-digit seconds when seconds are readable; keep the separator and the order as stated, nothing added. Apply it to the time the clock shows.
4,34
